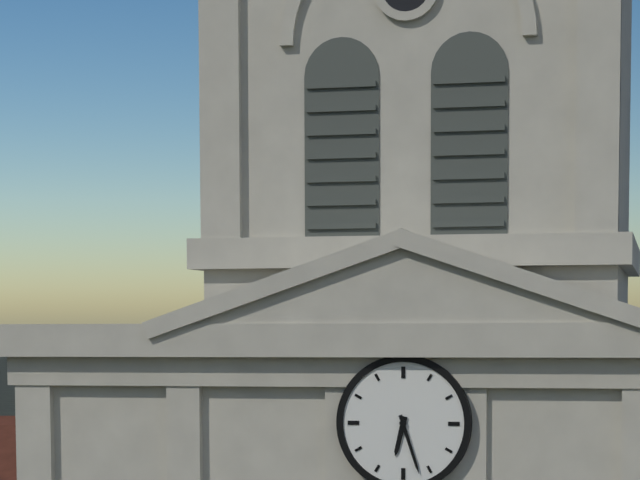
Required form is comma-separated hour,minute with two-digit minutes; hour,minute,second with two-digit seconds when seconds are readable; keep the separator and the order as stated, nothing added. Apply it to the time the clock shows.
6,27
